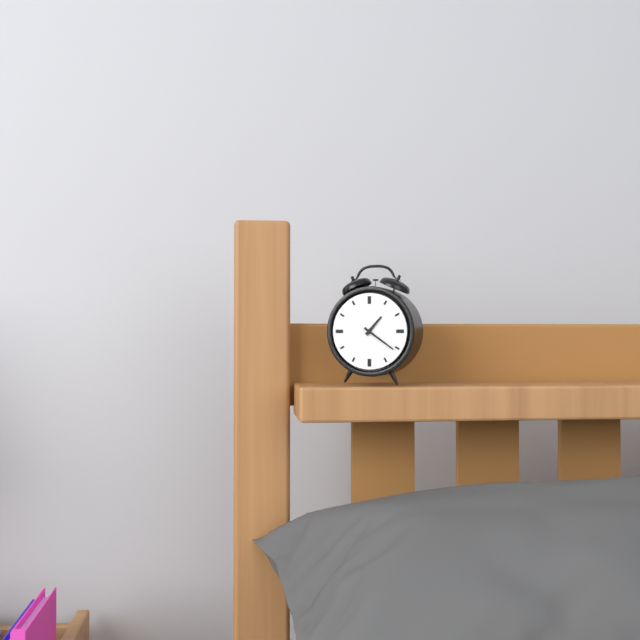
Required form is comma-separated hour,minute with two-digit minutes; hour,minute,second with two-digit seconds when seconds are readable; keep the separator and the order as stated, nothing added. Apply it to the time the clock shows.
1,21
